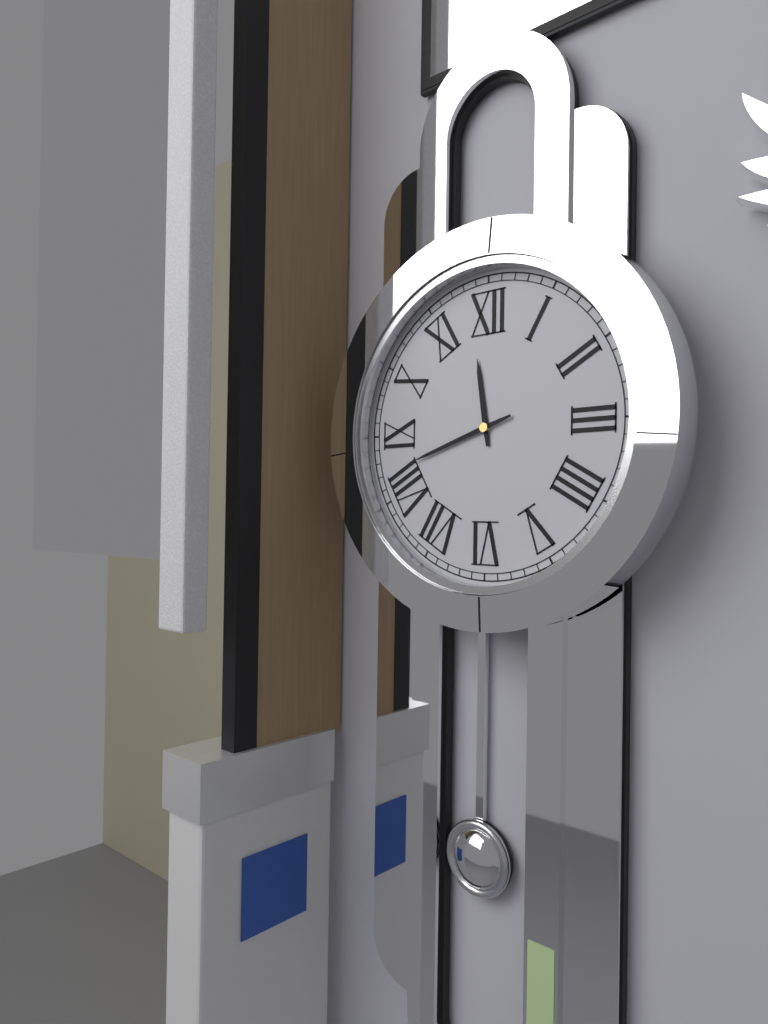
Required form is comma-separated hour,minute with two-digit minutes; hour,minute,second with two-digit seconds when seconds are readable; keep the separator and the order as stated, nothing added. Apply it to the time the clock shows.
11,42
